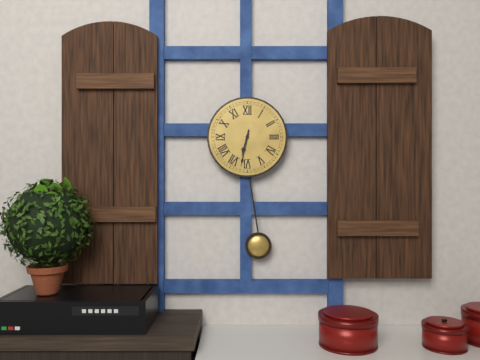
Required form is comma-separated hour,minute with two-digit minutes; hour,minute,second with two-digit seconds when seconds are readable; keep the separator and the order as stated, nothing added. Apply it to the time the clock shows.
6,32
